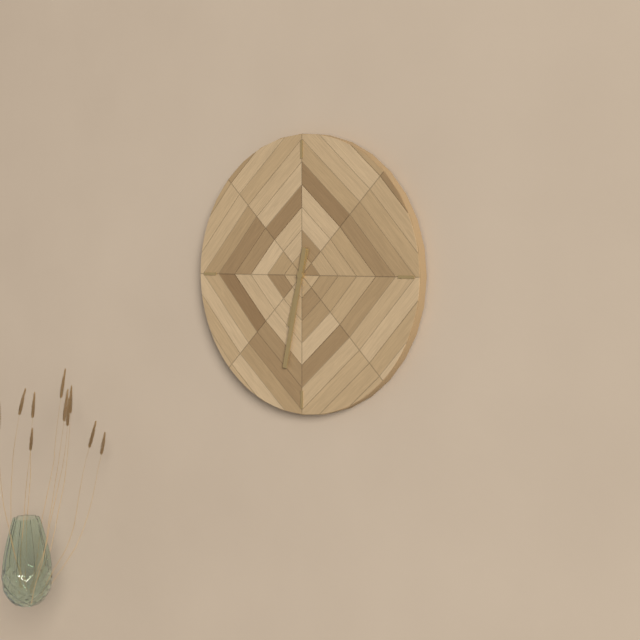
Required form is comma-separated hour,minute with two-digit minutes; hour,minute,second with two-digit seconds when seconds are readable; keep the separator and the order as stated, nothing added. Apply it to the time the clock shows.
6,32
